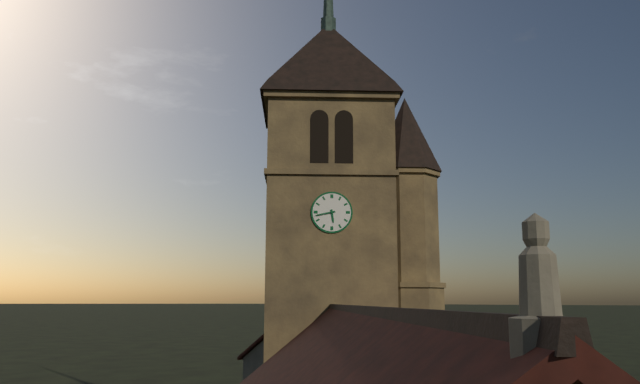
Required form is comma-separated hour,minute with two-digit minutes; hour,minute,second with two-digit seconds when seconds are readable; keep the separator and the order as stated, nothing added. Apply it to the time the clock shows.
5,43
